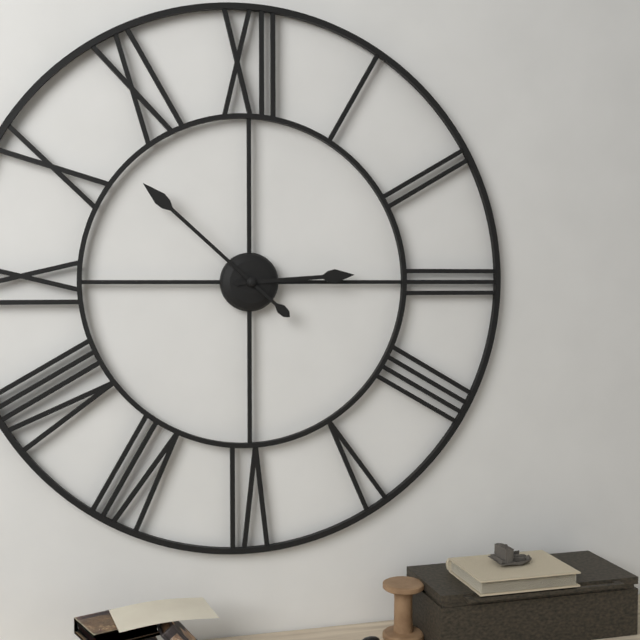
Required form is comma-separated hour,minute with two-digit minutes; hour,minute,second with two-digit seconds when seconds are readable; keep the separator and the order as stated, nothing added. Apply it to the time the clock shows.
2,52
